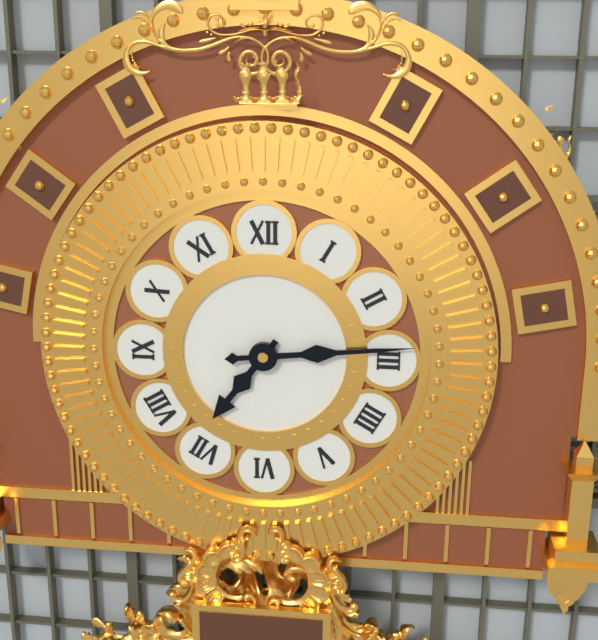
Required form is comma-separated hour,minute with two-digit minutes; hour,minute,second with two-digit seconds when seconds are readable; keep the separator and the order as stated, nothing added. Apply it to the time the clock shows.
7,14
